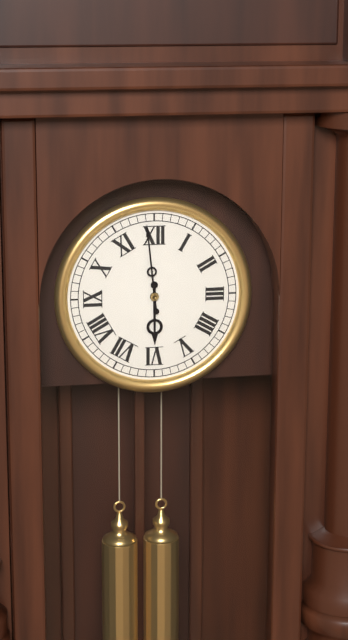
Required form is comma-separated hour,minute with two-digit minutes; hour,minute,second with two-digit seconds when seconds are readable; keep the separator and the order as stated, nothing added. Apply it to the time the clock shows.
5,59
